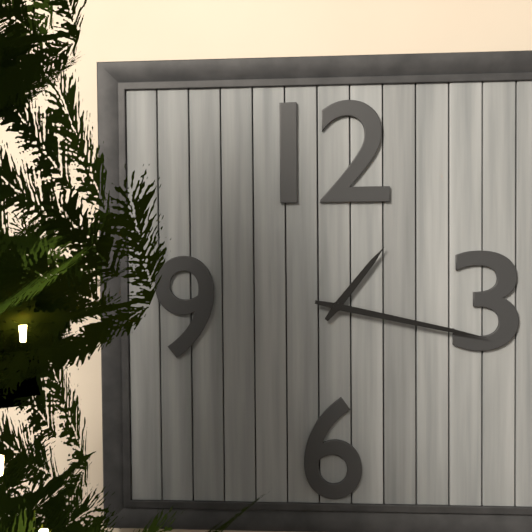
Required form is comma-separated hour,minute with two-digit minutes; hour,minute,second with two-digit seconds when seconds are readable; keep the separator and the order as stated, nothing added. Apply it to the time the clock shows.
1,17
